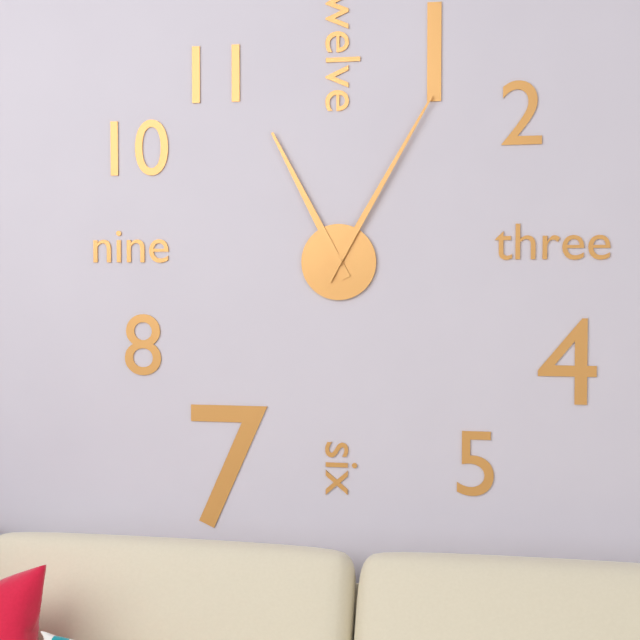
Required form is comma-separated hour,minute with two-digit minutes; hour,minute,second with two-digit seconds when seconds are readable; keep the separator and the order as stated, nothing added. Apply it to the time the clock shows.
11,05
